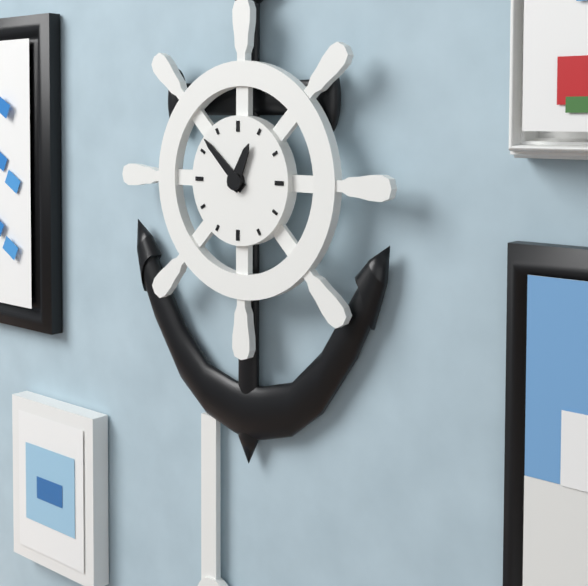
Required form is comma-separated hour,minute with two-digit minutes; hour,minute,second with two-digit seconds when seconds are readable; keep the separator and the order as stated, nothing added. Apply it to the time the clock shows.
12,52
